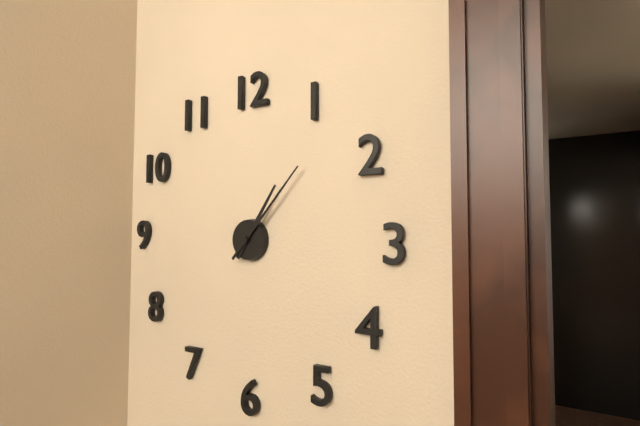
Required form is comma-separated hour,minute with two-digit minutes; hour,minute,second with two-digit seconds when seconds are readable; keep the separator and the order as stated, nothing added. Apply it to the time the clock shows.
1,07
